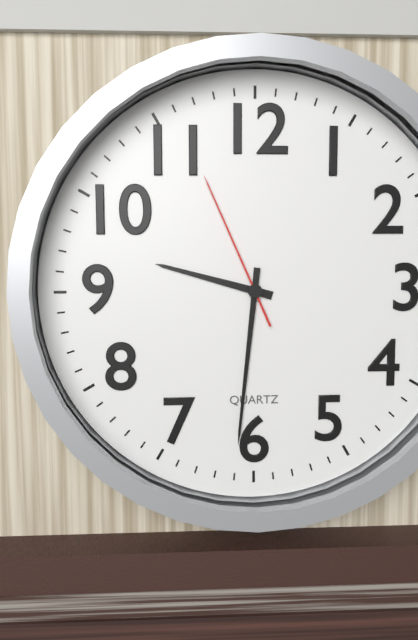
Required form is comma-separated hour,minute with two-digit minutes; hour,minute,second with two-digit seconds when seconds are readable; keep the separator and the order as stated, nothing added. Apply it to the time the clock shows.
9,31,56
